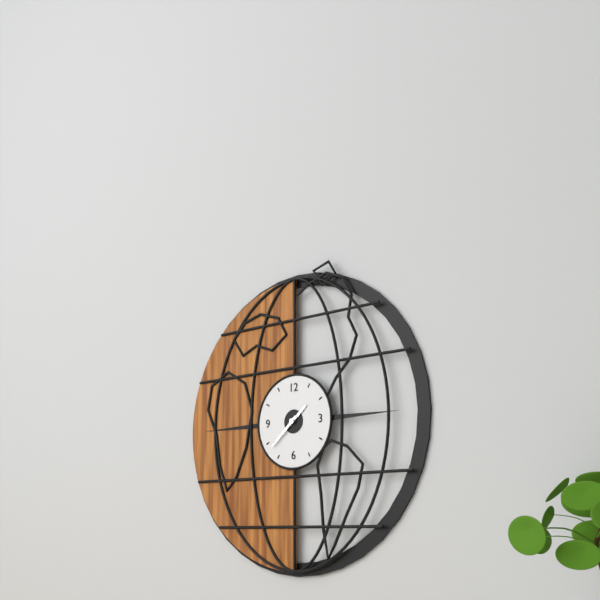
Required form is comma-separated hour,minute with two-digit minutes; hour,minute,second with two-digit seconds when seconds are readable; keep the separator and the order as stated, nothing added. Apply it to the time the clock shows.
1,38
